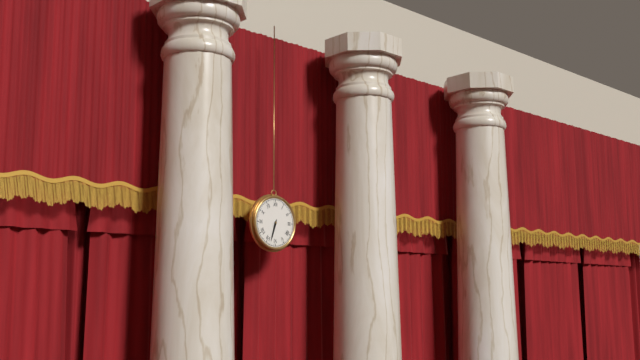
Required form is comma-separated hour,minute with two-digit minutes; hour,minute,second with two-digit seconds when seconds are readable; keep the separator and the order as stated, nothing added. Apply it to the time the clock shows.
6,33
